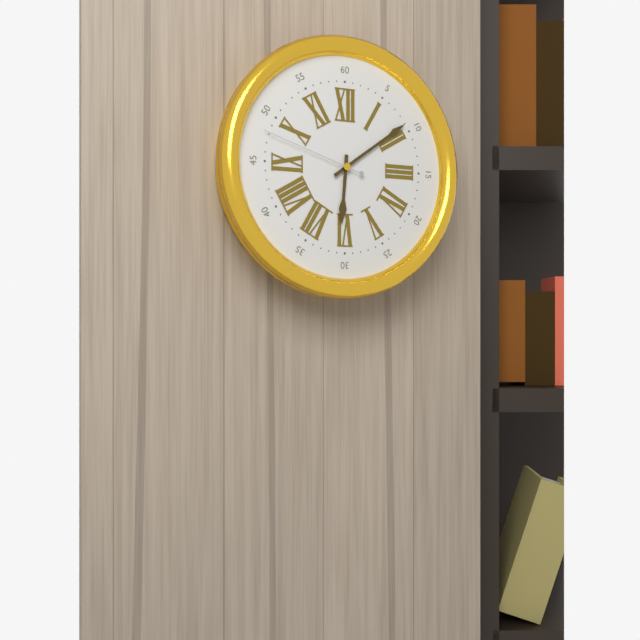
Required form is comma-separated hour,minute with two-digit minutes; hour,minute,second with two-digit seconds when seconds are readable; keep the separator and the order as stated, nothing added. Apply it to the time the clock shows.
6,09,48
